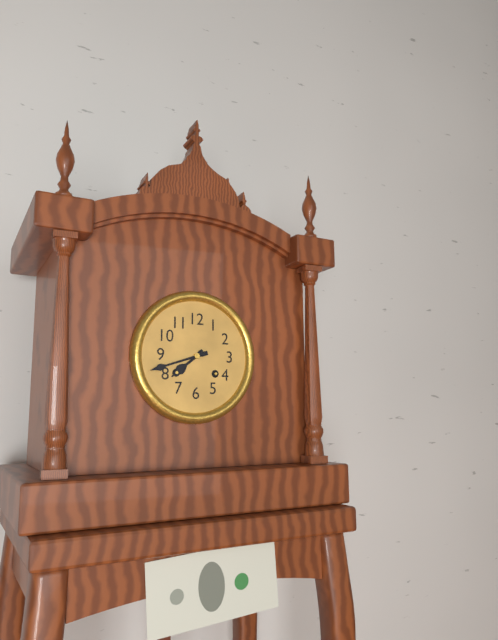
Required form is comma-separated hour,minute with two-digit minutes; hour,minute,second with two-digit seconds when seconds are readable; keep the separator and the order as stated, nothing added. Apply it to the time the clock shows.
7,42
